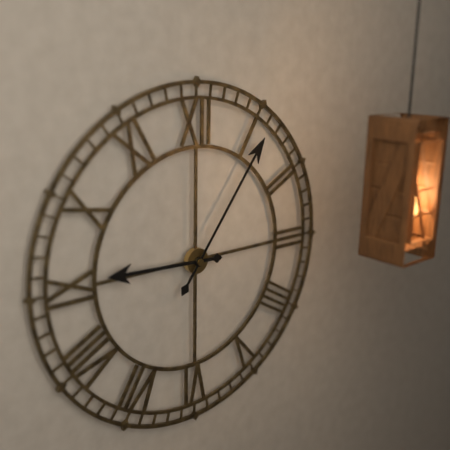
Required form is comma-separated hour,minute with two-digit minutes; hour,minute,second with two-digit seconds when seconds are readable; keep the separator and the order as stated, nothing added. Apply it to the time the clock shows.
9,06
